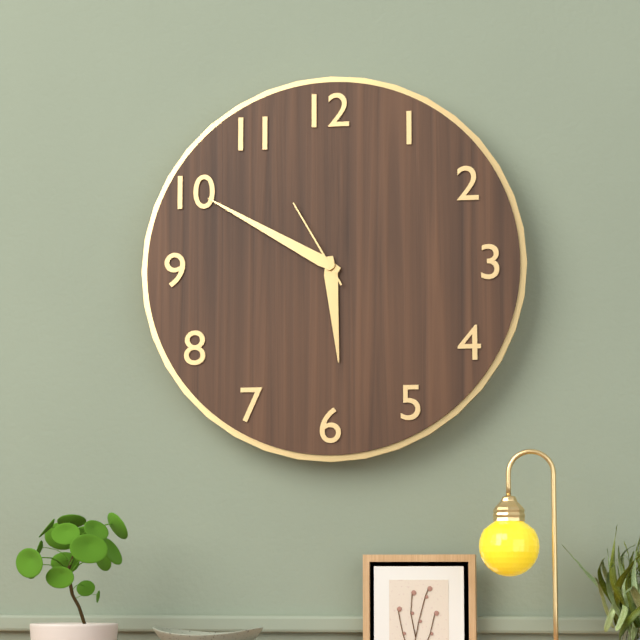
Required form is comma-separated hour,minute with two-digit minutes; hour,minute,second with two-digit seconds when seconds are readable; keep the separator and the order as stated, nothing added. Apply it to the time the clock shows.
5,50,55
